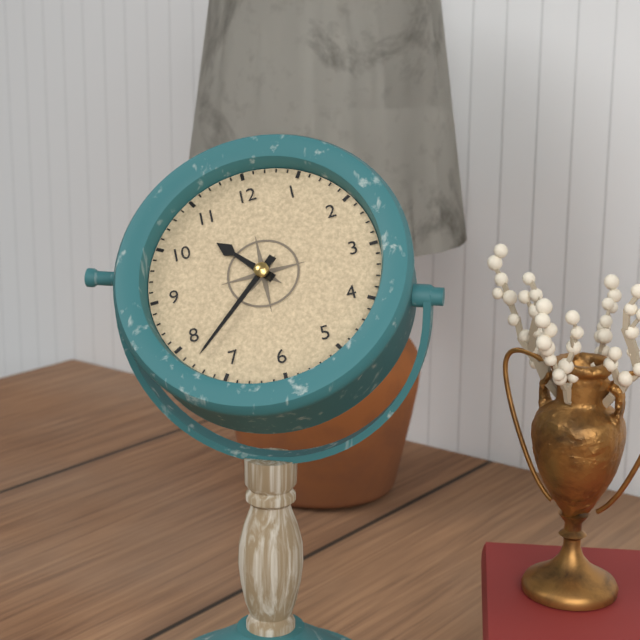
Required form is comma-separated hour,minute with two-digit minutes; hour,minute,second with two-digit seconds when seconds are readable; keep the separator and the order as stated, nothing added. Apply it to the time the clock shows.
10,38
